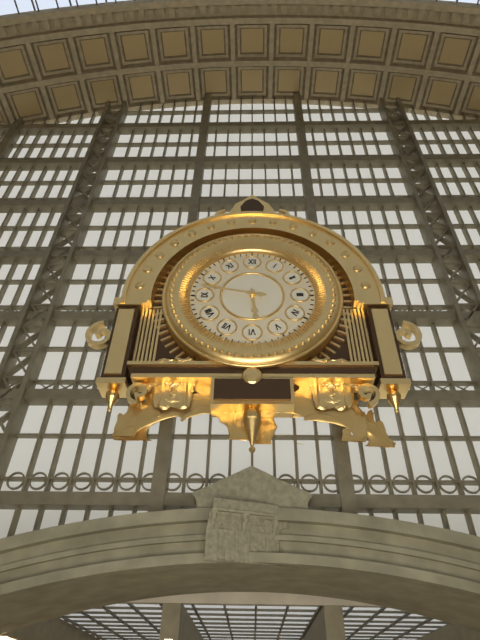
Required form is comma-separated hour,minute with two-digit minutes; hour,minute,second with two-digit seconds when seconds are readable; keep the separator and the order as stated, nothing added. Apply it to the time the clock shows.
5,47
